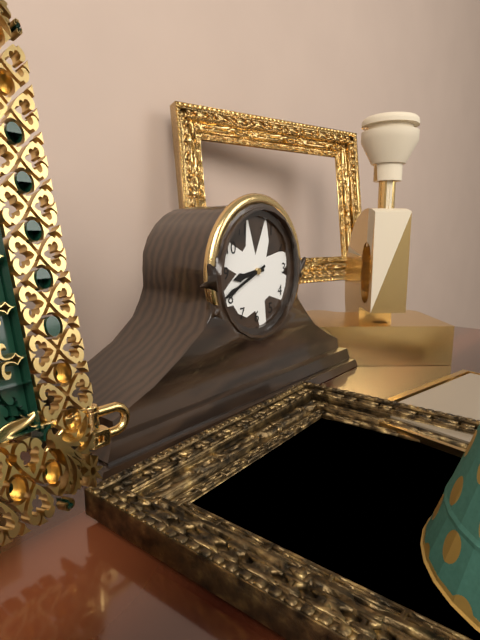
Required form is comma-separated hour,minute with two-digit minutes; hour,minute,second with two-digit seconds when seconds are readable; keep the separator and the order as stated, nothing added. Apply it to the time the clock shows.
8,41
